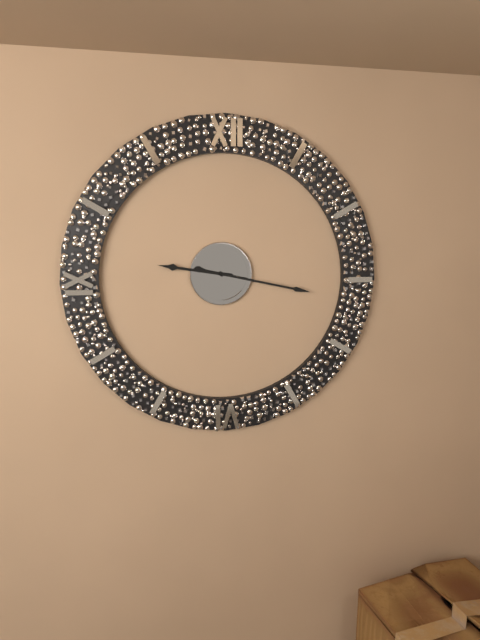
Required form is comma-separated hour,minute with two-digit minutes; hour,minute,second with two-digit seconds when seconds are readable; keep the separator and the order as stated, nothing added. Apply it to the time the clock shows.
9,17
